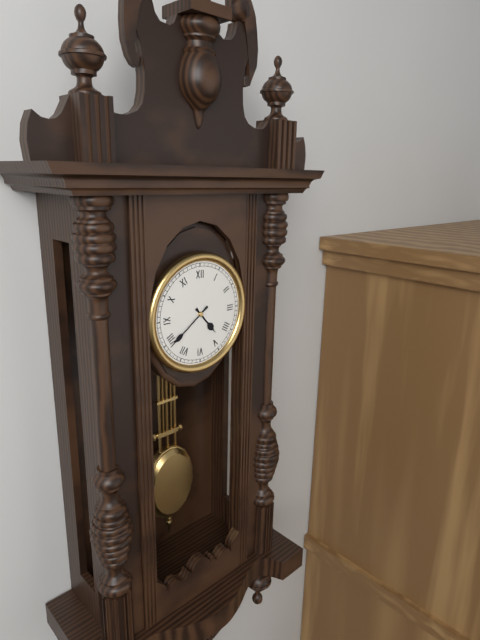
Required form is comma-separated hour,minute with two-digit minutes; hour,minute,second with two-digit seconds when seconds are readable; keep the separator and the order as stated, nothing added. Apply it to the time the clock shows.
4,39
